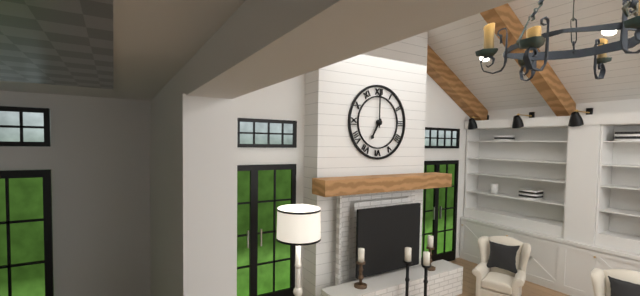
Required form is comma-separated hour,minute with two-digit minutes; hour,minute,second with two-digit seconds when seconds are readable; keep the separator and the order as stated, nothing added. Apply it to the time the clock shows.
7,00
